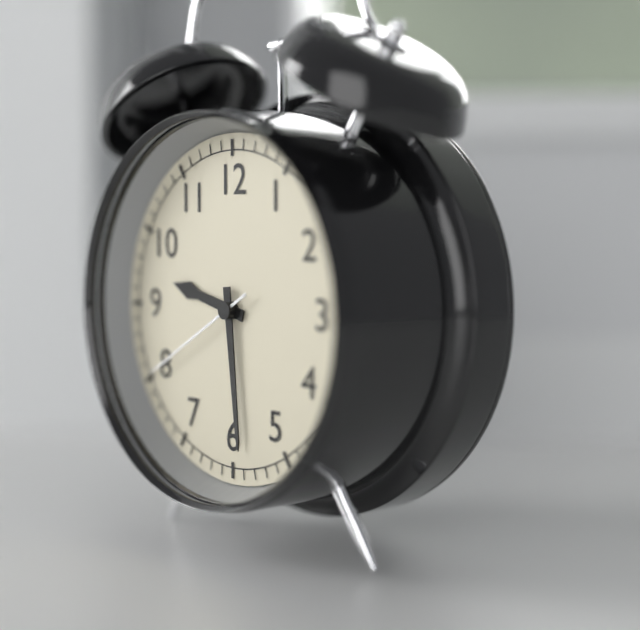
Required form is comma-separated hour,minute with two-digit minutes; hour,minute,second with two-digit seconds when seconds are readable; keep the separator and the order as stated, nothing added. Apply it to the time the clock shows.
9,29,40
